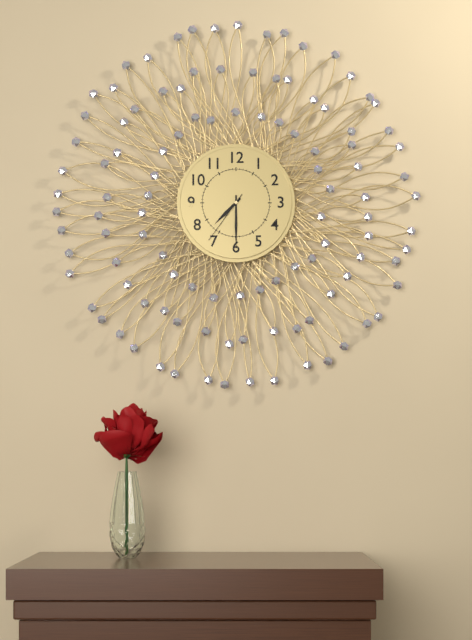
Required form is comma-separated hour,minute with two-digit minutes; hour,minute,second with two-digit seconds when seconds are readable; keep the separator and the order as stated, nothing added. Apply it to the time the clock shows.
7,30,36
